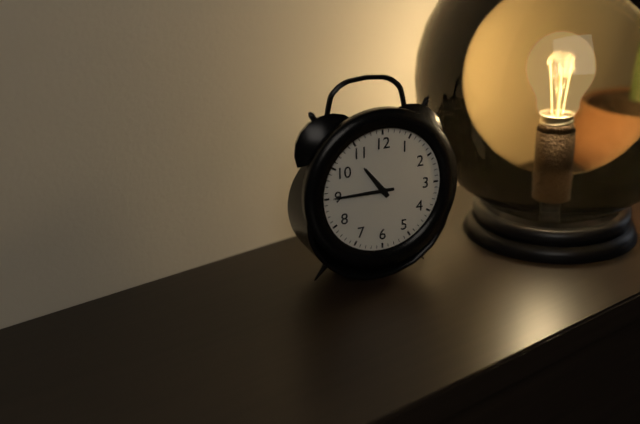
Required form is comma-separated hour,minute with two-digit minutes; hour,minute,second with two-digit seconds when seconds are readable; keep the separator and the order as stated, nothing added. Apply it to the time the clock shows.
10,45
